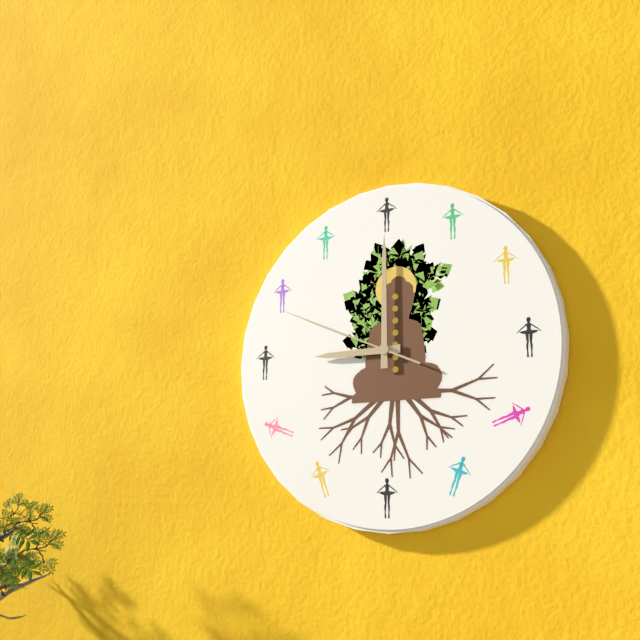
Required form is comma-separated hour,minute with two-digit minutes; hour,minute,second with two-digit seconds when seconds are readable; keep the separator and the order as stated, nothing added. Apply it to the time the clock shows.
9,00,49
